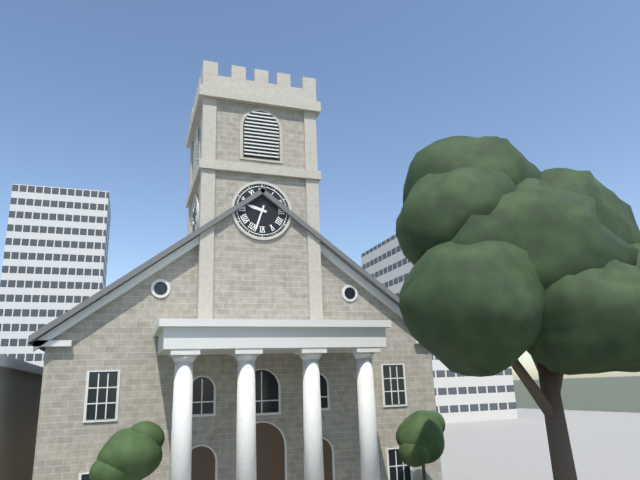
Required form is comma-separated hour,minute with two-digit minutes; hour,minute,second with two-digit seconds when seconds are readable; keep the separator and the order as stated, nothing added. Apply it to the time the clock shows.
9,33
